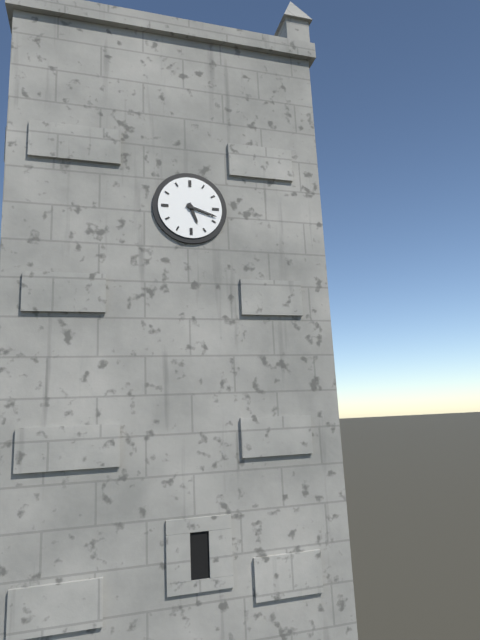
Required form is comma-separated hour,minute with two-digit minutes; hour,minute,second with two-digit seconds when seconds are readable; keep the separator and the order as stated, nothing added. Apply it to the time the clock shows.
5,18
